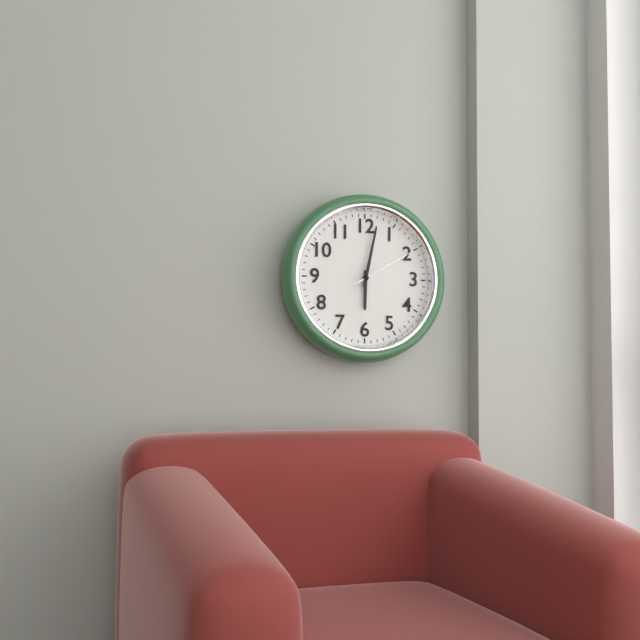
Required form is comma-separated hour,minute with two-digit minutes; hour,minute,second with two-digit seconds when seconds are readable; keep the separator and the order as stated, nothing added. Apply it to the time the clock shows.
6,02,10
